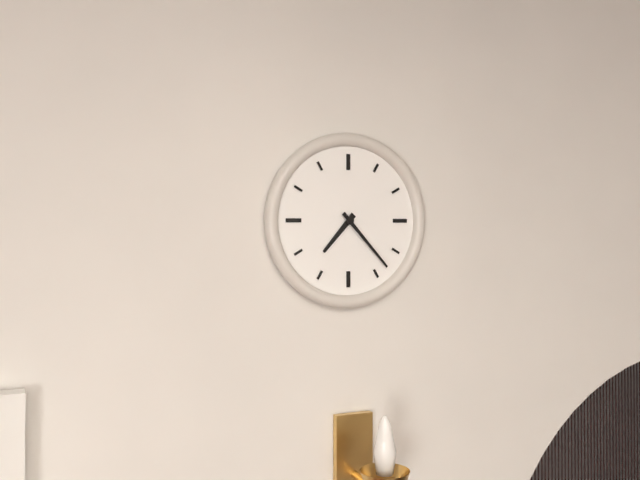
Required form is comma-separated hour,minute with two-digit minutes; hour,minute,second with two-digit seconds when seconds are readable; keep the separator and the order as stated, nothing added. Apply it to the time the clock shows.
7,23
